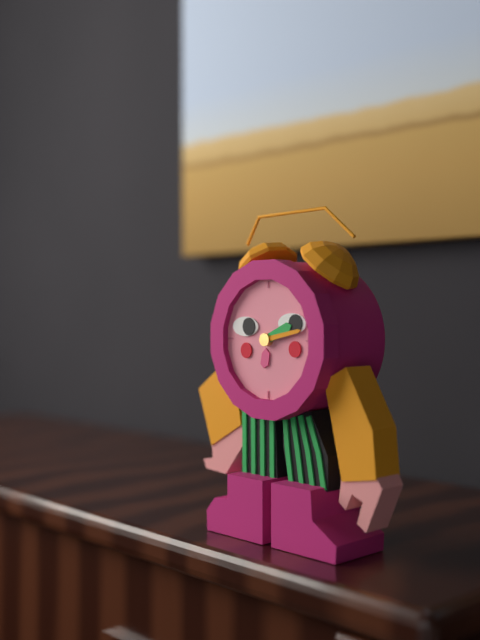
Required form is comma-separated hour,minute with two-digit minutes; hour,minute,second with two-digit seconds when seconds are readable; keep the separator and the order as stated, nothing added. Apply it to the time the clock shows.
2,13
